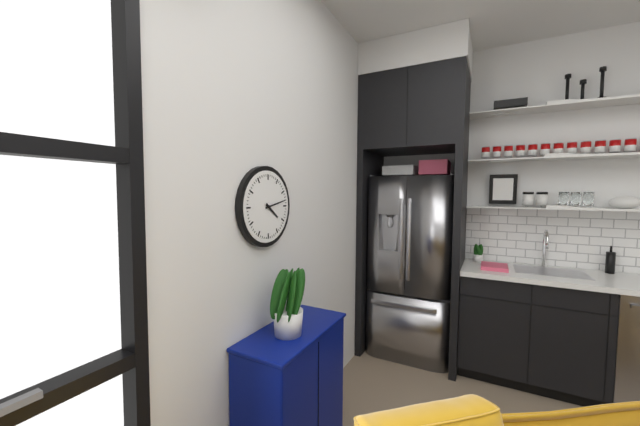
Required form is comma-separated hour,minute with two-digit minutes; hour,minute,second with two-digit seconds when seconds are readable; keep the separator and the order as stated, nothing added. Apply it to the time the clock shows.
4,13
